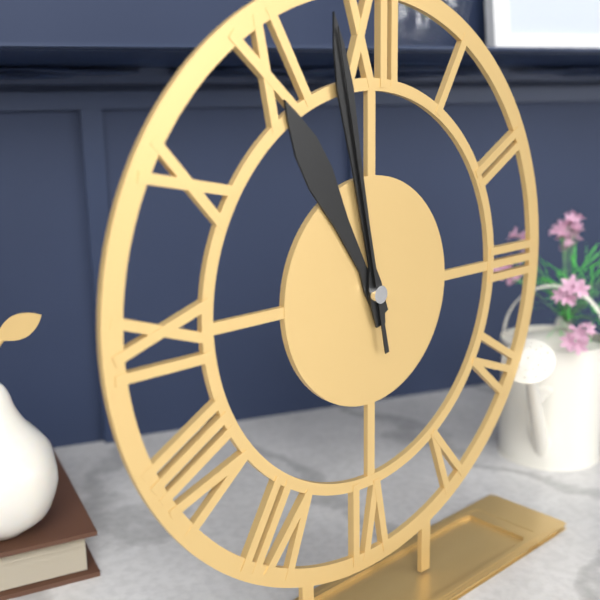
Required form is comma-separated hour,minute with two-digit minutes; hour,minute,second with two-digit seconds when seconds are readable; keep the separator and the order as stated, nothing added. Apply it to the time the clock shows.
10,58,58
